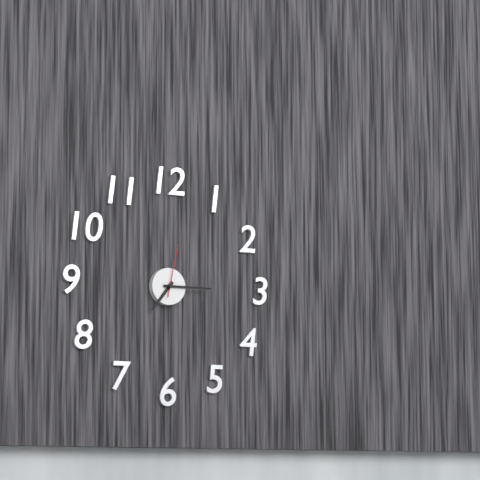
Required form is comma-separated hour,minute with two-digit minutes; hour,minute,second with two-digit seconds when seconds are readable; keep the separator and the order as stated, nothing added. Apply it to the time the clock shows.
7,15,02
